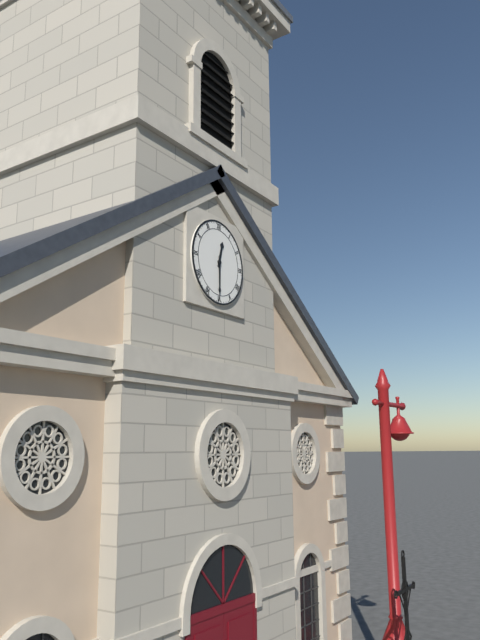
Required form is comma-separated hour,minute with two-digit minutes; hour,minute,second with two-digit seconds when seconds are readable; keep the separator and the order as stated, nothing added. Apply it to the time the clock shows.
12,30
